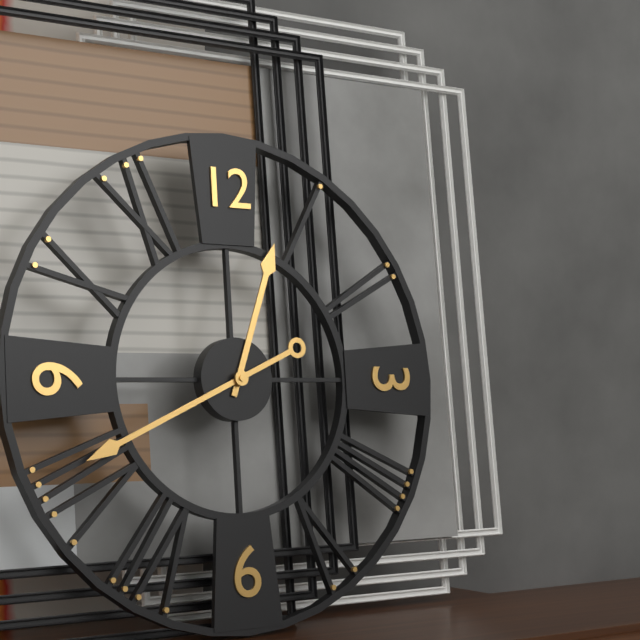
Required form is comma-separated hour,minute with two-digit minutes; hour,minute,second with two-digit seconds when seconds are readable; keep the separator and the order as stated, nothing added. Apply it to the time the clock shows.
12,41
